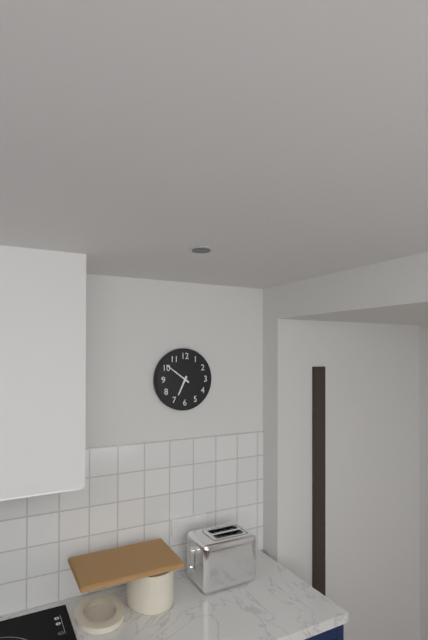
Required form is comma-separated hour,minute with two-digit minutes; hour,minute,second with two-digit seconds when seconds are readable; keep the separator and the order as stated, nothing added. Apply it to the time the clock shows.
6,51
